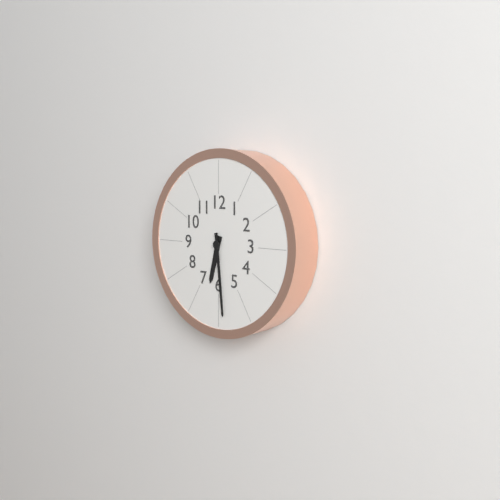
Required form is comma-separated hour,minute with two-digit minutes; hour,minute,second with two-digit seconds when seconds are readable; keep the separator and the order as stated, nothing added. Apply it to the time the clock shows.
6,29
